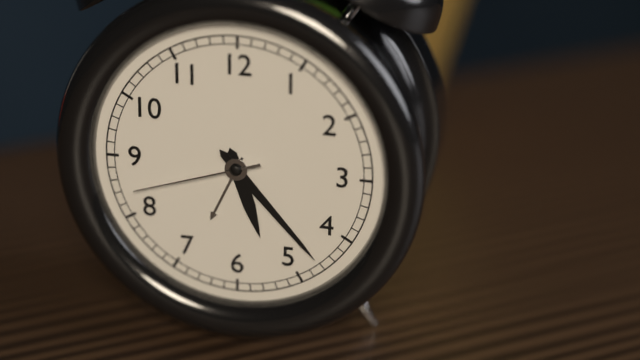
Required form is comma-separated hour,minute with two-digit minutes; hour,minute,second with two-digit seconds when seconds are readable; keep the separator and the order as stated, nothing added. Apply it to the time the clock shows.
5,23,42
